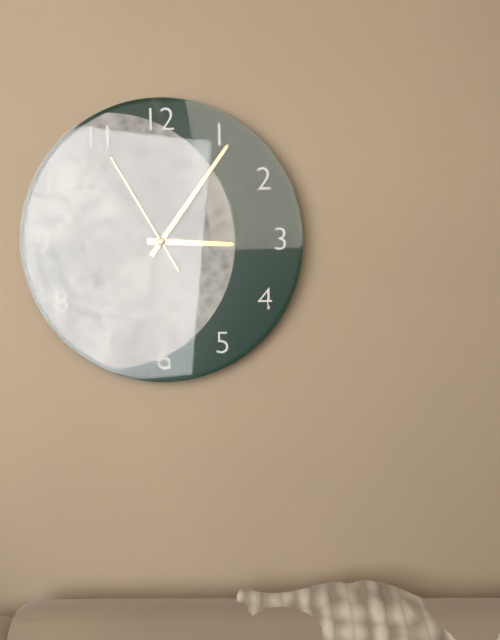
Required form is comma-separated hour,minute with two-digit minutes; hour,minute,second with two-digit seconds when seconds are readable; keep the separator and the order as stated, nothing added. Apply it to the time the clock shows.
3,06,55
